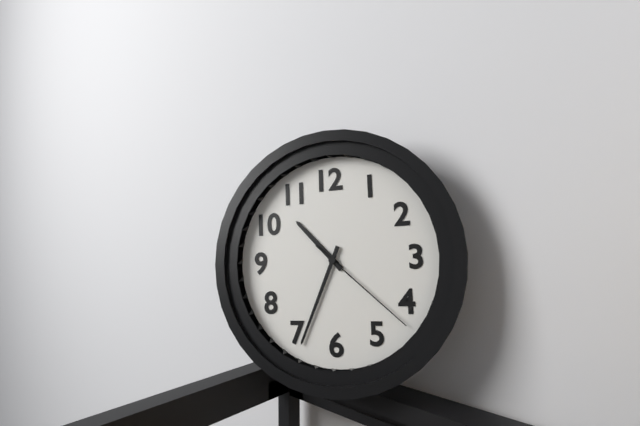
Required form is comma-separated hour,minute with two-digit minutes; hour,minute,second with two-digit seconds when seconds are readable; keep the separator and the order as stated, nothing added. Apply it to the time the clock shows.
10,34,22
